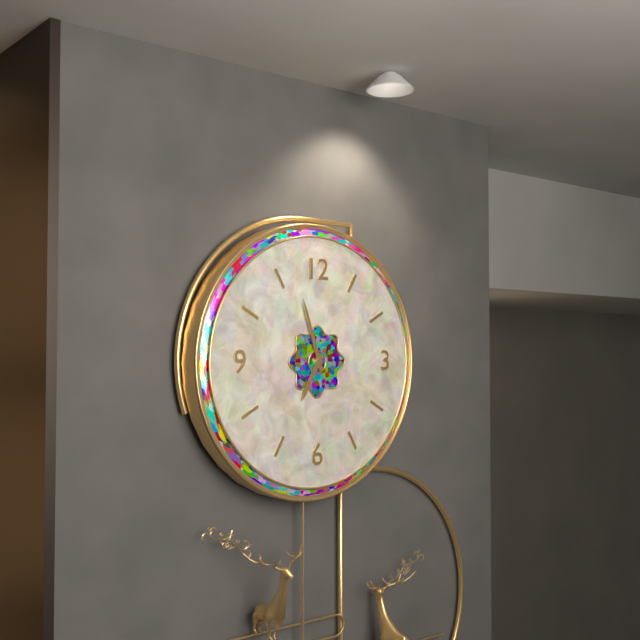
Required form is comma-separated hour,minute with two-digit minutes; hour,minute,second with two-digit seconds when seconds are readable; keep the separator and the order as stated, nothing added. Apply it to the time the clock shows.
6,57
